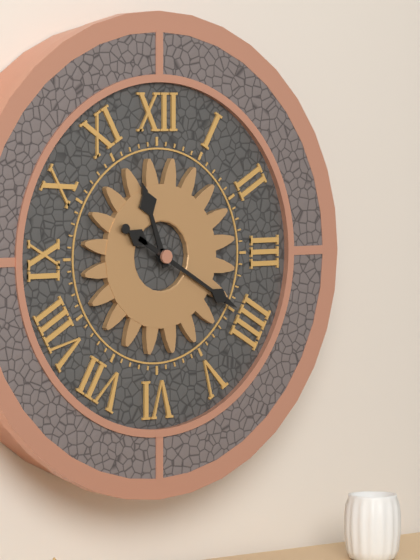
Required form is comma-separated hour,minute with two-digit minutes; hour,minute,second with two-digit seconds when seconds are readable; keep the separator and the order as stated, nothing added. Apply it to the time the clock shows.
11,20
